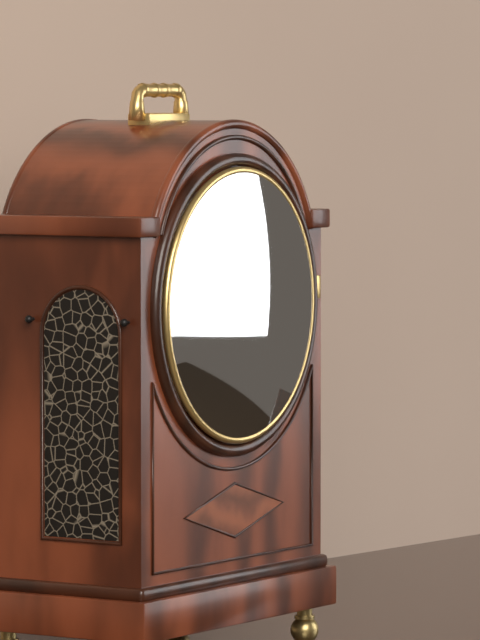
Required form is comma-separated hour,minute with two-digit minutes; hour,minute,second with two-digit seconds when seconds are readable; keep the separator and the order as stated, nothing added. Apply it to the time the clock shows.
9,15
